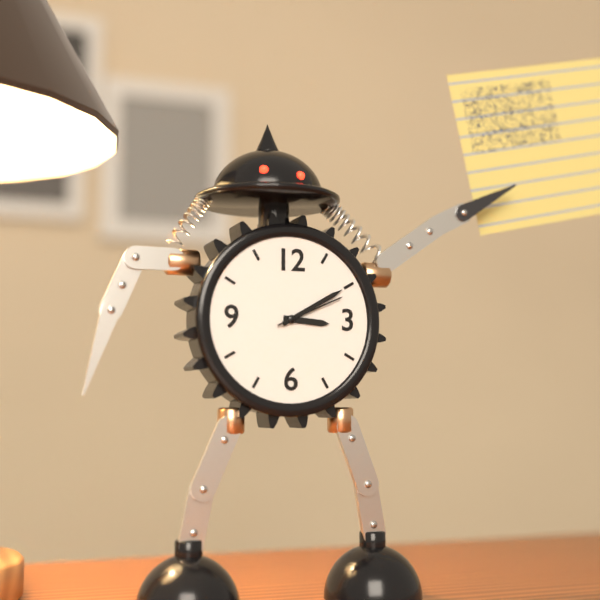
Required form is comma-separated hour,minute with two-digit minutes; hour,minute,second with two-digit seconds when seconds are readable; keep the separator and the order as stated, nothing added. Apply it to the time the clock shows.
3,10,11
